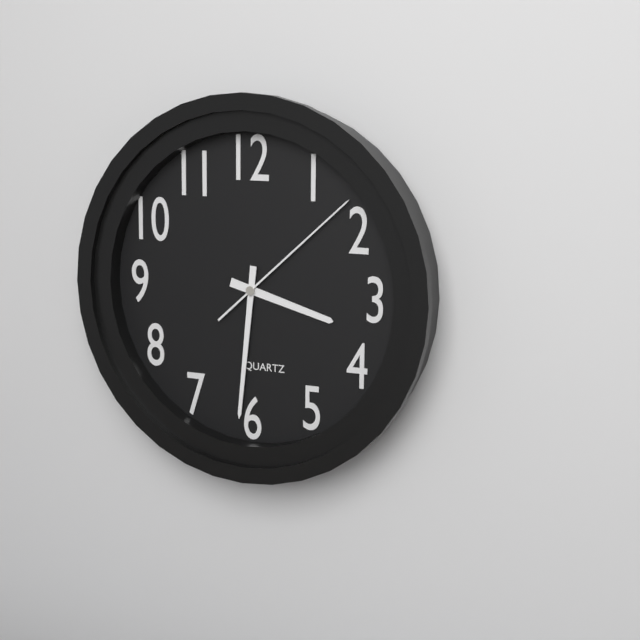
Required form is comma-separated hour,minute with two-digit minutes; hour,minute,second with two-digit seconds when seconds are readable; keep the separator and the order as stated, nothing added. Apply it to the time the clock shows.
3,31,08
